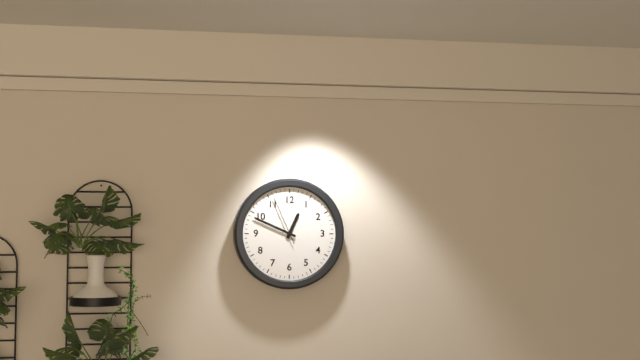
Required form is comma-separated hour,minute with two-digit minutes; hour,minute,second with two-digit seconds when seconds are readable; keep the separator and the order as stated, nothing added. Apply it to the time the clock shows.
12,49,56
